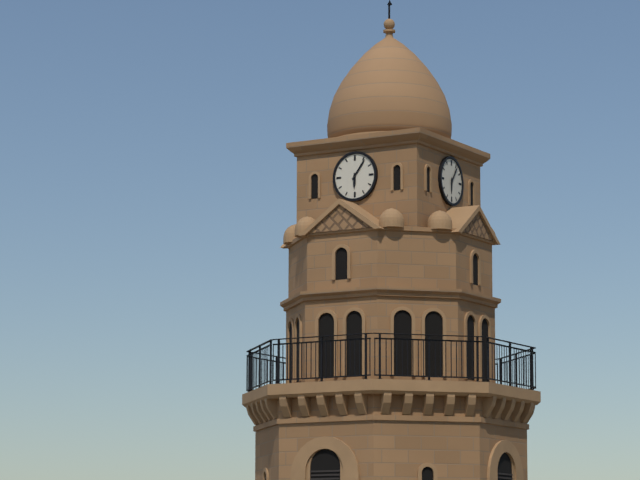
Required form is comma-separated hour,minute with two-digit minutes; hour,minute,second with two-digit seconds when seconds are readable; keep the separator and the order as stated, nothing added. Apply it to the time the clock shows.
6,06
